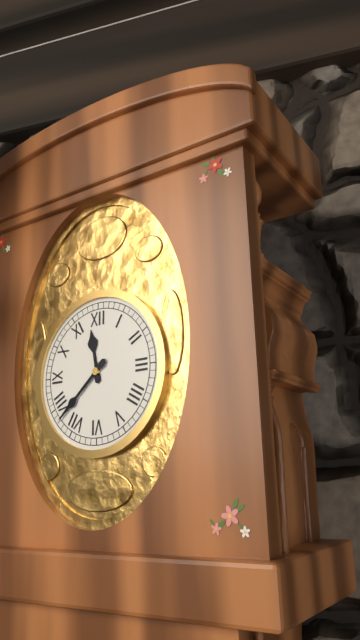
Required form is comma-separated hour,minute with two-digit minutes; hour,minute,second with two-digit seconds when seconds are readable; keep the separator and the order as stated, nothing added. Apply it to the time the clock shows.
11,38
